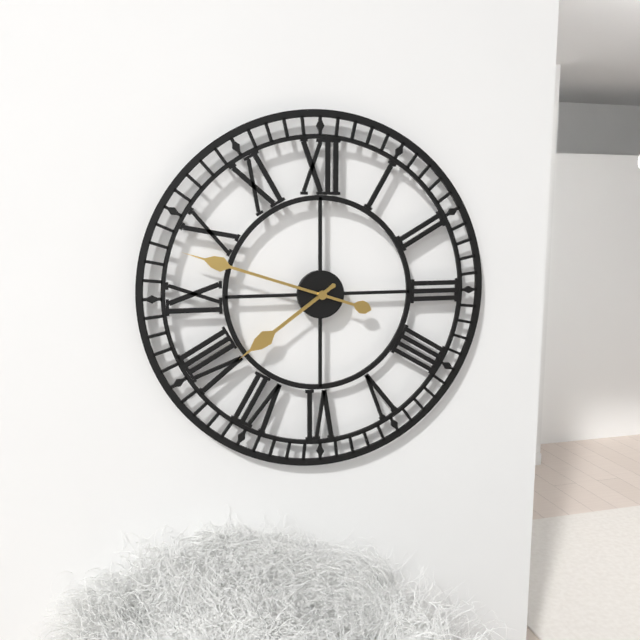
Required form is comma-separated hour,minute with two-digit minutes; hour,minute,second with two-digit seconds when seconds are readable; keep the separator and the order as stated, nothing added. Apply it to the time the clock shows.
7,48
